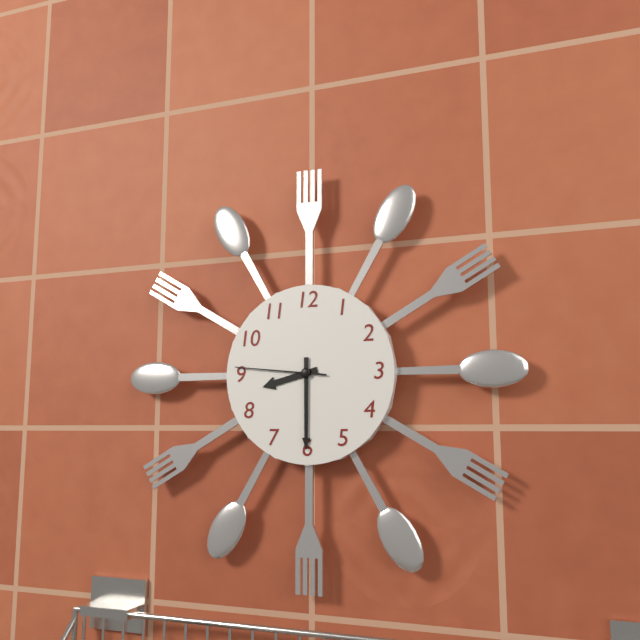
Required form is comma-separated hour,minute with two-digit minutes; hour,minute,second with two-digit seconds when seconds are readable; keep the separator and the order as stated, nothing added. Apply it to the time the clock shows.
8,30,46
